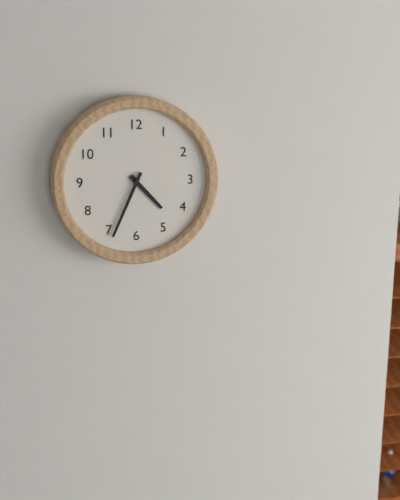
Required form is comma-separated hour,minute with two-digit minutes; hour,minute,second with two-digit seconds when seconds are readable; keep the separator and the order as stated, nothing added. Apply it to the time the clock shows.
4,34
